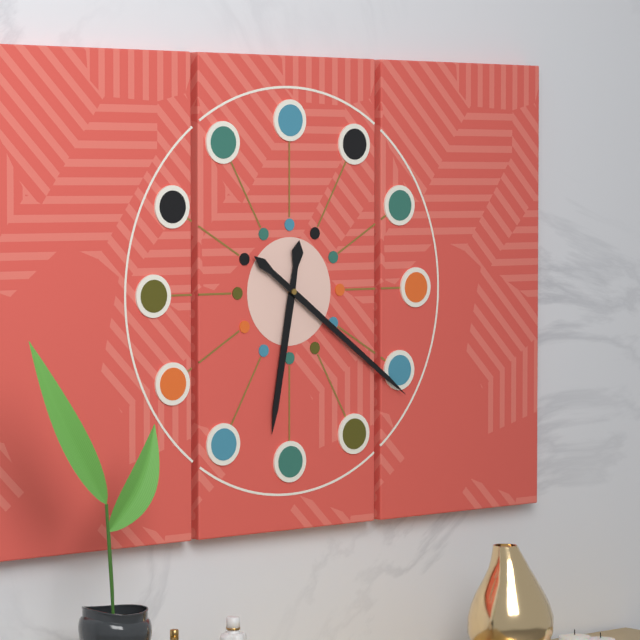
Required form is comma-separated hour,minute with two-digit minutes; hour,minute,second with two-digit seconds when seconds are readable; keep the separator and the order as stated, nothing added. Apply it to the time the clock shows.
6,21
